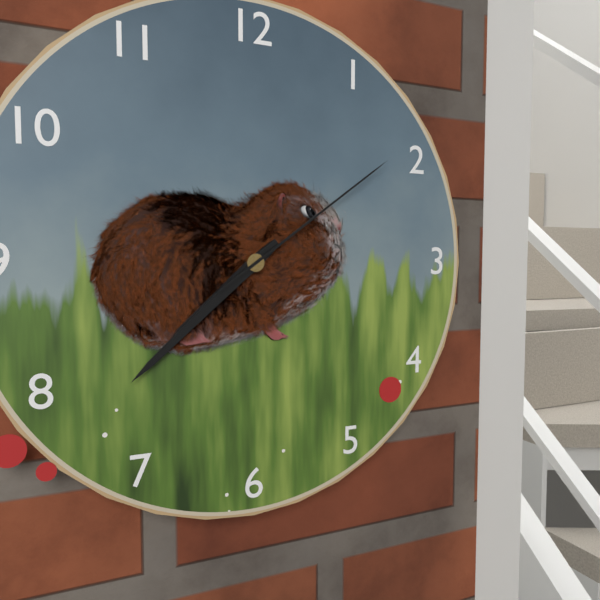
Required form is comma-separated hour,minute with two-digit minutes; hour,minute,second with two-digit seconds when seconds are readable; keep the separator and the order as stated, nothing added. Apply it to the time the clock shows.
7,38,09
